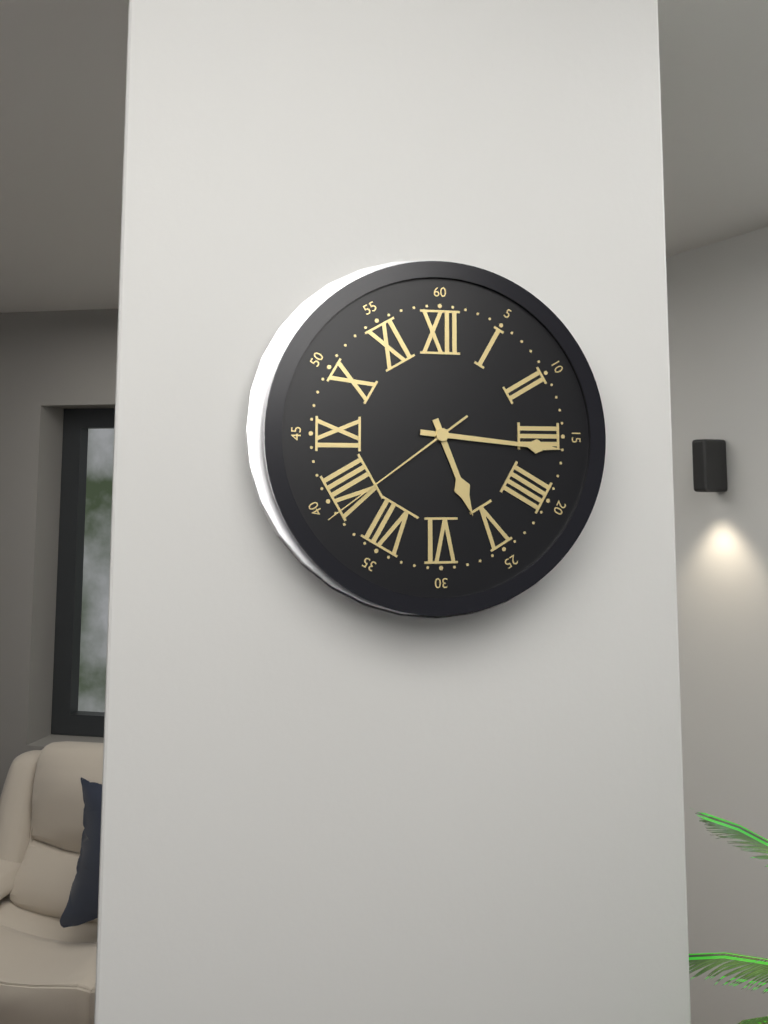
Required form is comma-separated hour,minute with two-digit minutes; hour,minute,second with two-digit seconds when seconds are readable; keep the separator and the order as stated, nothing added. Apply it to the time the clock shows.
5,16,39
